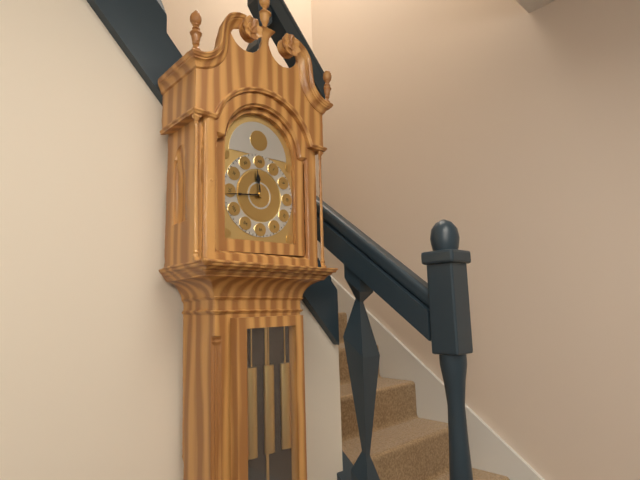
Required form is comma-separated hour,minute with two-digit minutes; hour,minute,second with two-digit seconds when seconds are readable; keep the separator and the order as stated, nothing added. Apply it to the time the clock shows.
11,44
